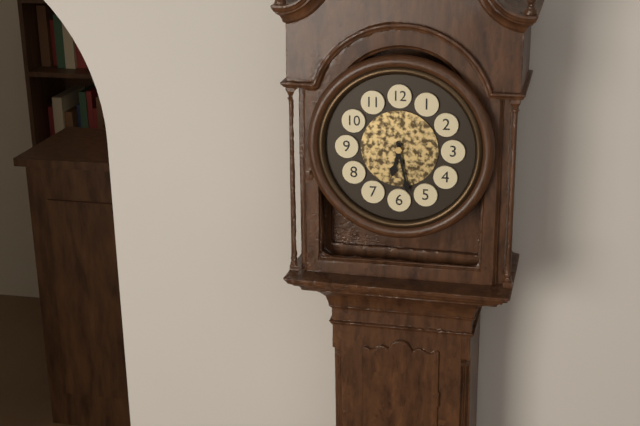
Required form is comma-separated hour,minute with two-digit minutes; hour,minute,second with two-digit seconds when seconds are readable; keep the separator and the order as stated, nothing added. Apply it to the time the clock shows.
6,28
